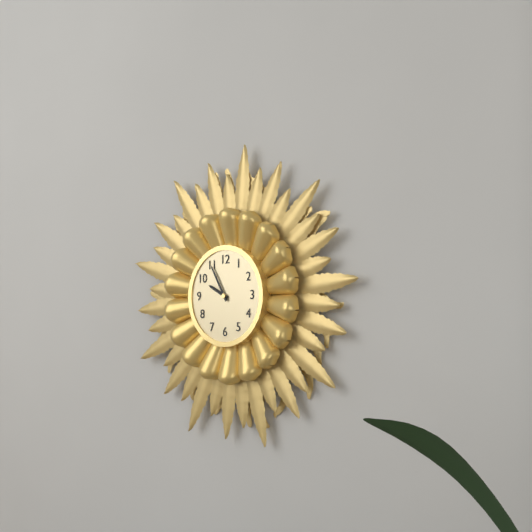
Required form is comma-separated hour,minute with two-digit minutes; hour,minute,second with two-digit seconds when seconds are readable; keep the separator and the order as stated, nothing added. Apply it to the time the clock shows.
9,55
